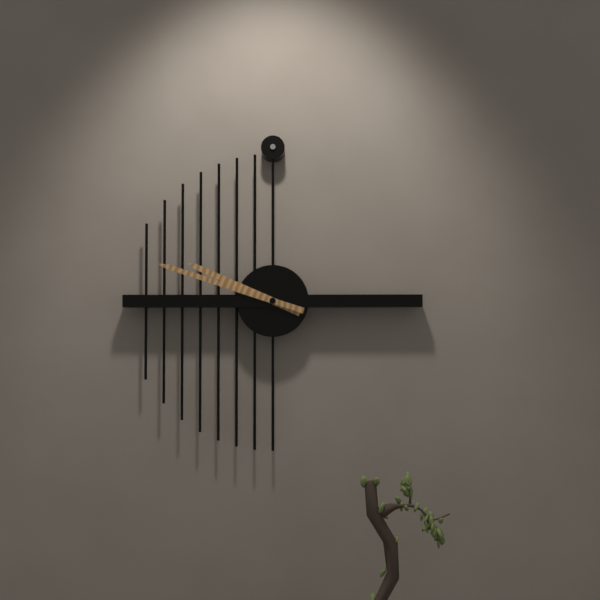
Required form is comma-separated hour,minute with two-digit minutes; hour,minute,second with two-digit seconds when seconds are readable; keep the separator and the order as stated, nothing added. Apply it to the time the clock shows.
9,48
